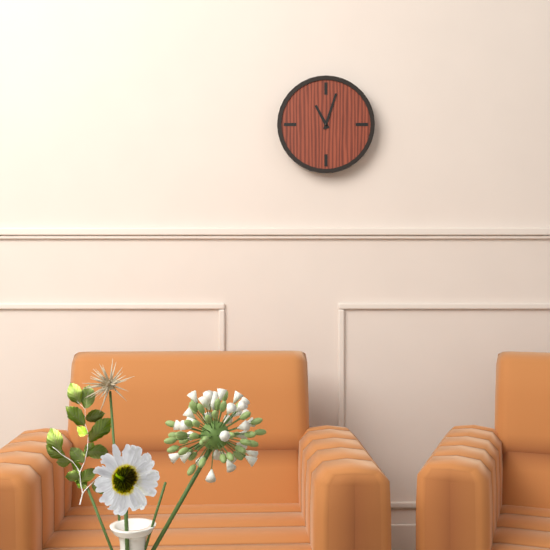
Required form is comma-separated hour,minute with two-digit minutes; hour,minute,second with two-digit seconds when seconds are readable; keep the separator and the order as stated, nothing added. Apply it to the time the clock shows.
11,03
